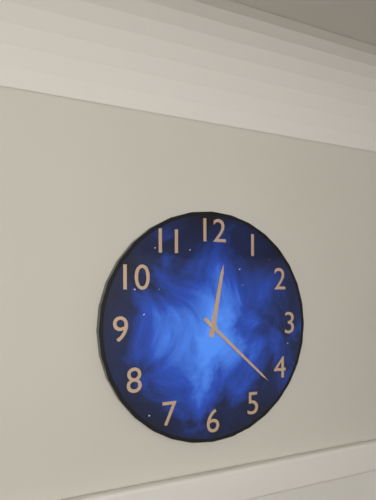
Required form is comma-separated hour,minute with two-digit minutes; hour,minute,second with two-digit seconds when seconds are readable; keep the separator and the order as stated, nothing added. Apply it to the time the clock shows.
12,22
